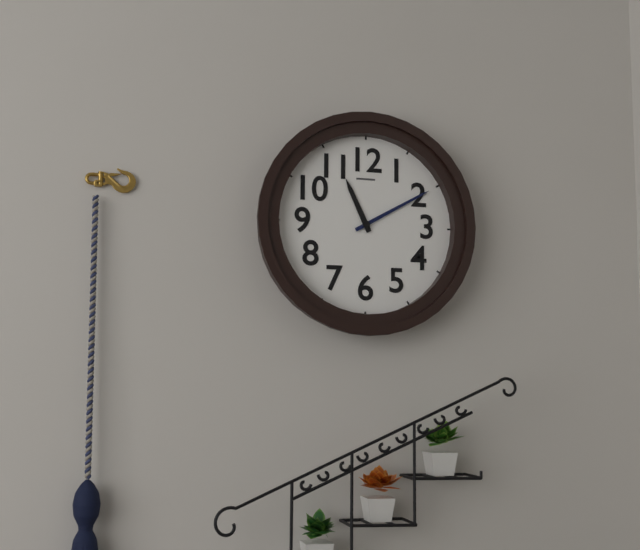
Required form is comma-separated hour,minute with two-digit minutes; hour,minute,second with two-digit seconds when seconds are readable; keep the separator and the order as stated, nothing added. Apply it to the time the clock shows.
11,10
